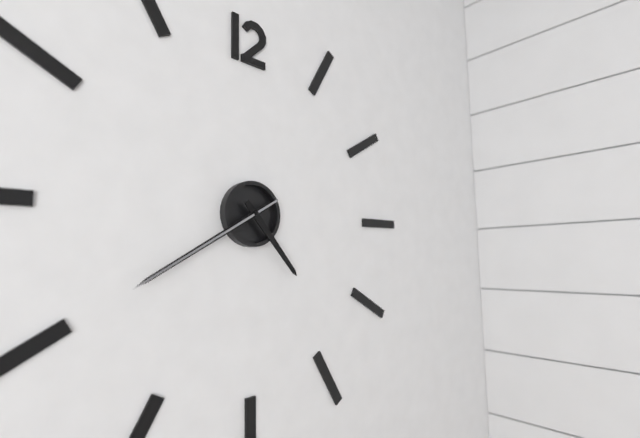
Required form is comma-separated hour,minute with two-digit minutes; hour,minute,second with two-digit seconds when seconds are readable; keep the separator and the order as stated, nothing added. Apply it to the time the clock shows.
4,40,40
